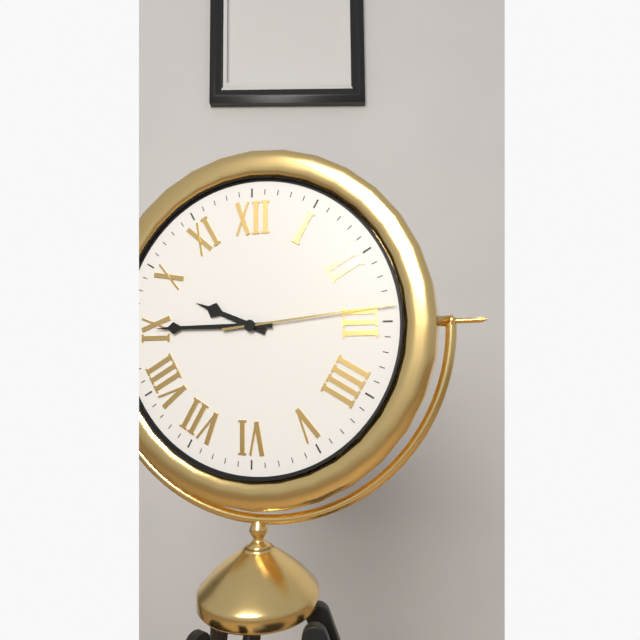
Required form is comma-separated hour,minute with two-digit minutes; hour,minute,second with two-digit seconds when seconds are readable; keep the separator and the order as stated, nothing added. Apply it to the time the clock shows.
9,45,14
